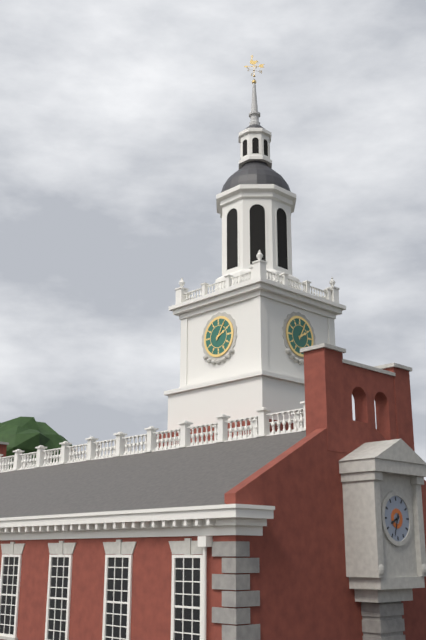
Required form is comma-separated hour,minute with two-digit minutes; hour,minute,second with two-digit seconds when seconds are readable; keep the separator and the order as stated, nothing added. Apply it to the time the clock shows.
2,05
